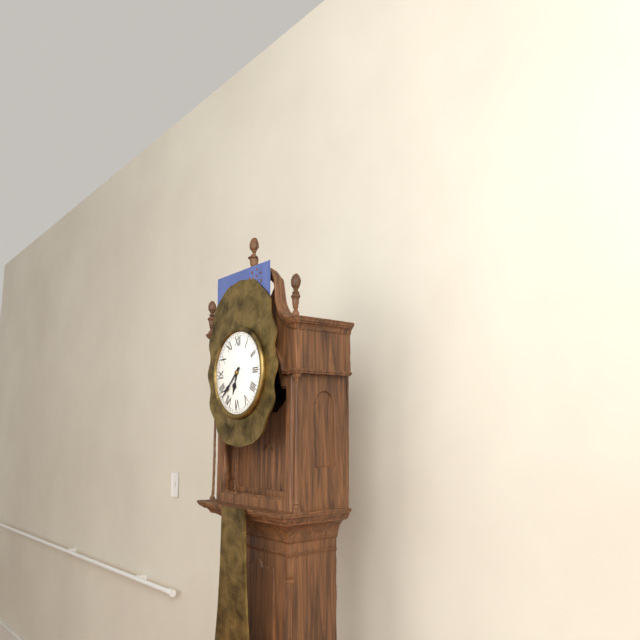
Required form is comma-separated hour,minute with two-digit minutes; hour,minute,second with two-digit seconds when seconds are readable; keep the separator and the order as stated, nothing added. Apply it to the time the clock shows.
6,38
